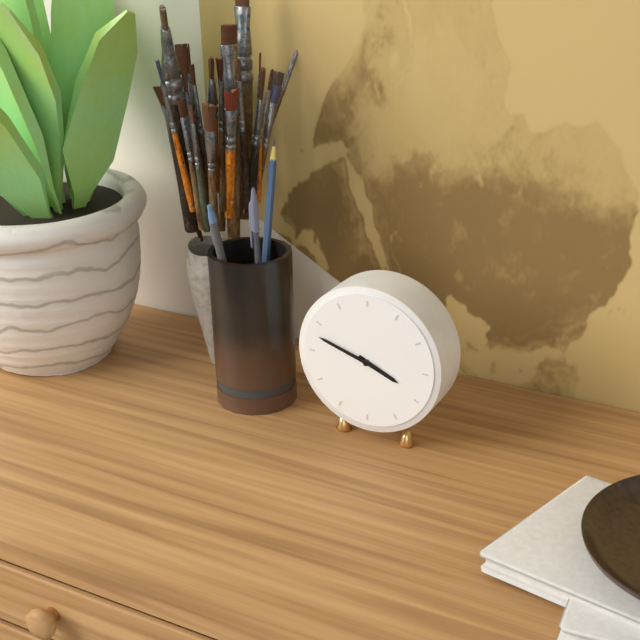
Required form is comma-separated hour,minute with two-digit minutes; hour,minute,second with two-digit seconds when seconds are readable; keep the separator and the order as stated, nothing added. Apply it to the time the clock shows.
3,48
